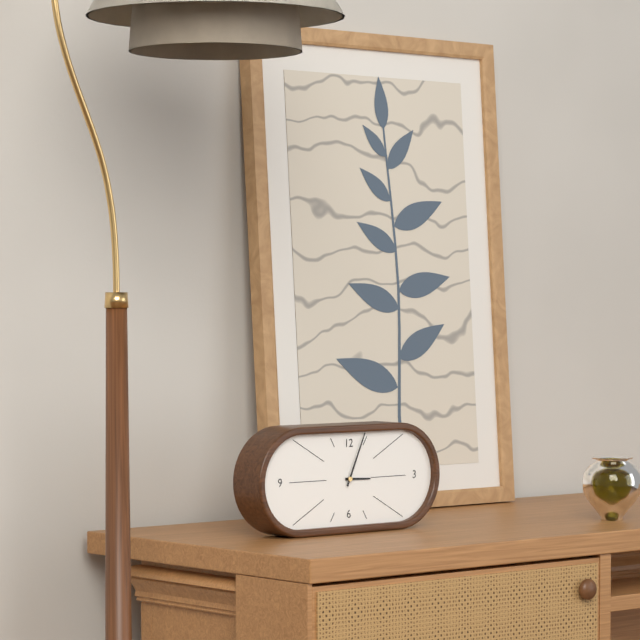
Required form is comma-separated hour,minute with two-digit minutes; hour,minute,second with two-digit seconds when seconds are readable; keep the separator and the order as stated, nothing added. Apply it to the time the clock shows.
3,04
